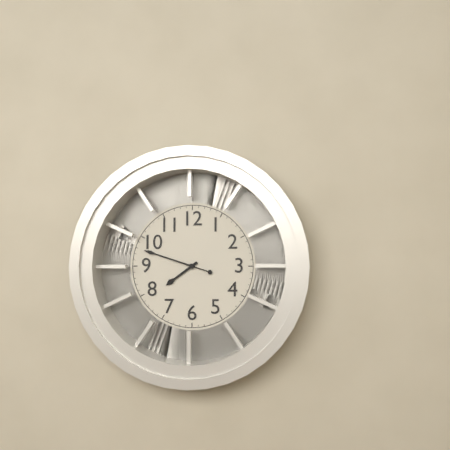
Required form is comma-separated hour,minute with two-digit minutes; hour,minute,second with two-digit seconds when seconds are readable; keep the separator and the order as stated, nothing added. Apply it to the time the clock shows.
7,48
